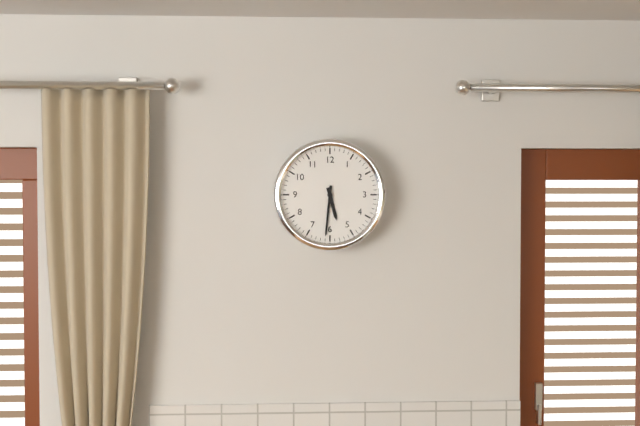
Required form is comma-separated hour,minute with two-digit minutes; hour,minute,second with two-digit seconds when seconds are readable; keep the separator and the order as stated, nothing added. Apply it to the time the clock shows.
5,31
